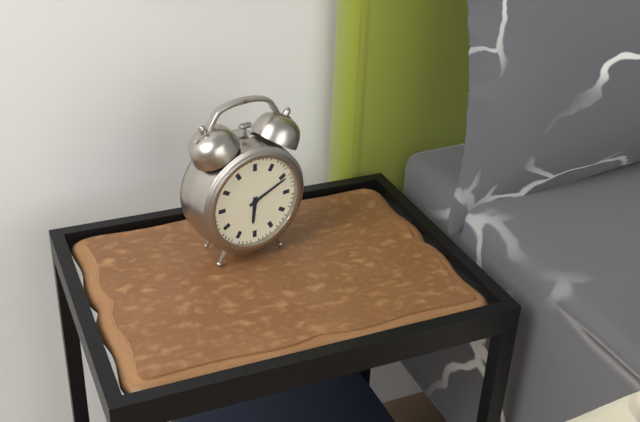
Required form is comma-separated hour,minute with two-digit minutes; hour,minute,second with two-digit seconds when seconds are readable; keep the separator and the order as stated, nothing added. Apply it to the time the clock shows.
6,11
